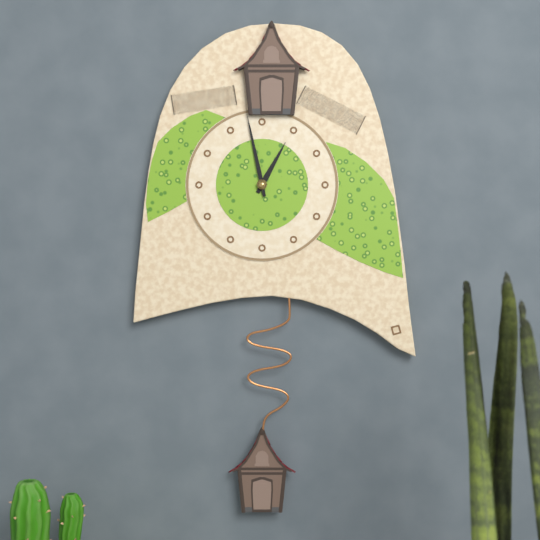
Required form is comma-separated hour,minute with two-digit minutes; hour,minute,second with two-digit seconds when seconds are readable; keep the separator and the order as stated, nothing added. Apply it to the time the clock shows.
12,58
